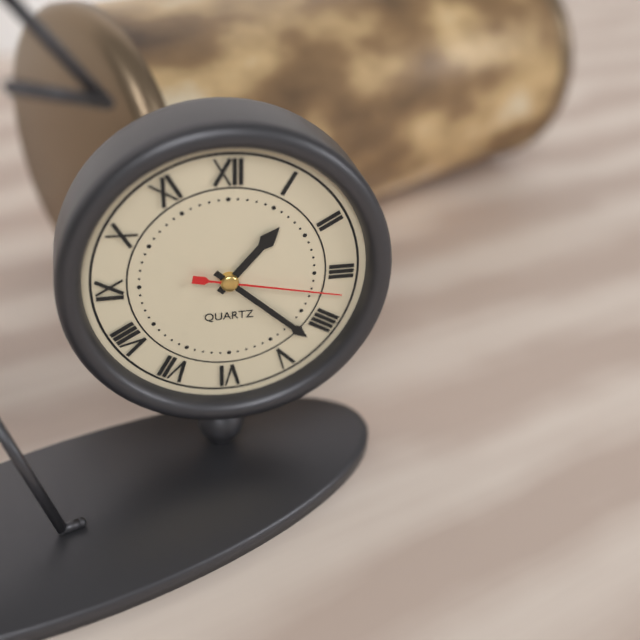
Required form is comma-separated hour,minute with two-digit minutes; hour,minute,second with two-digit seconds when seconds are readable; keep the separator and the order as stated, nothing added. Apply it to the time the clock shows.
1,22,17
